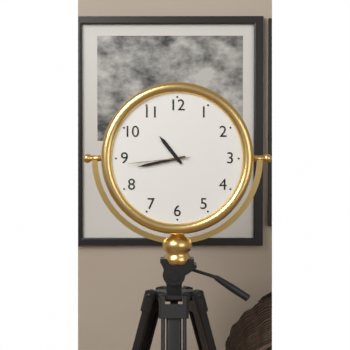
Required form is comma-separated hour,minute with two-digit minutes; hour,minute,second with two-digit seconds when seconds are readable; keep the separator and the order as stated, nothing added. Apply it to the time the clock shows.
10,43,44
